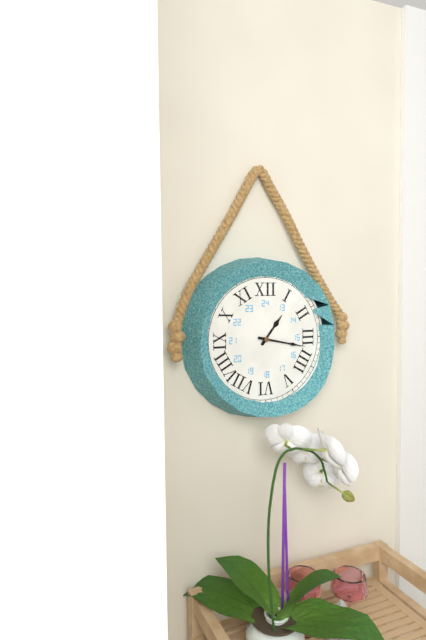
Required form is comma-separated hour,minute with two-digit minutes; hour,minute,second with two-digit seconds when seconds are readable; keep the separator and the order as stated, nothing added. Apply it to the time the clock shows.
1,17
